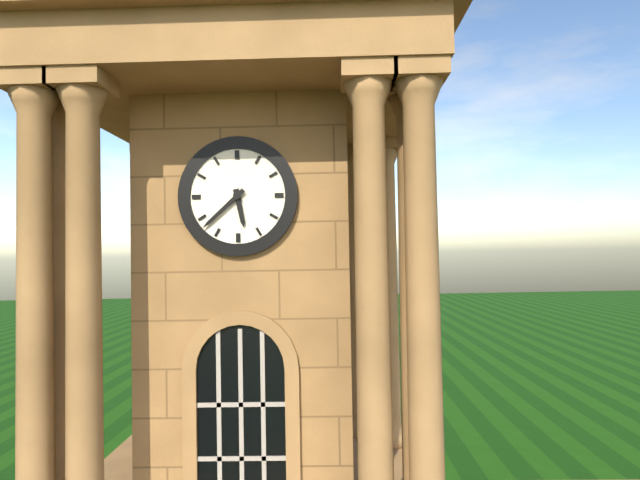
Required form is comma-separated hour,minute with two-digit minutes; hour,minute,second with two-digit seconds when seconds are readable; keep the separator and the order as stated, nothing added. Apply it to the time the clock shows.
5,38
